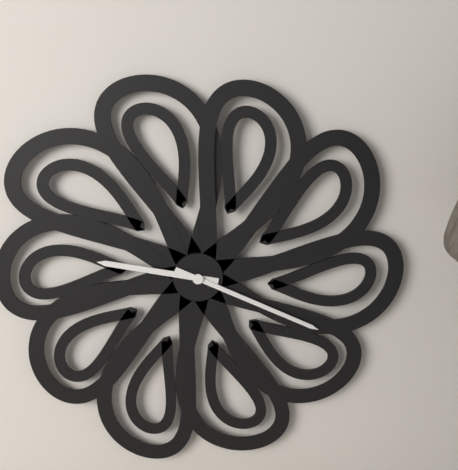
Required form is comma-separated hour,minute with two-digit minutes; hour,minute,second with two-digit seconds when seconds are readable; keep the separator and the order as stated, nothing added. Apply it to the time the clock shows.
9,19
